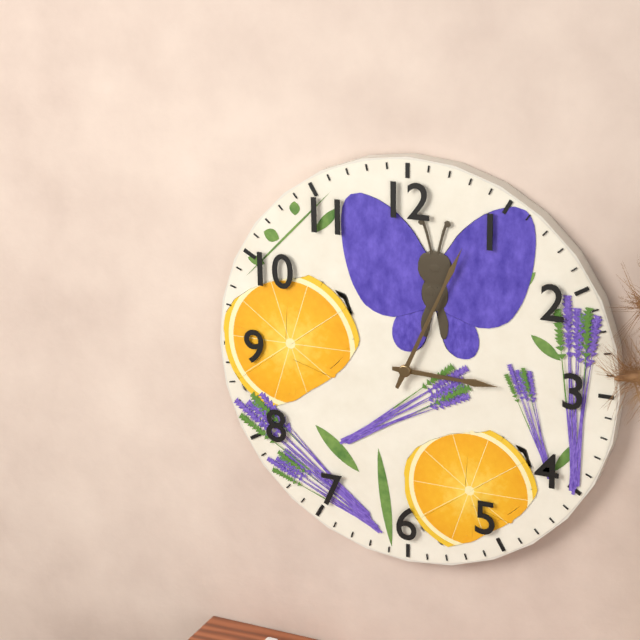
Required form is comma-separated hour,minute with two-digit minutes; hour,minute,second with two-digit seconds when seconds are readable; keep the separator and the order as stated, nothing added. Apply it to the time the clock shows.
3,04
